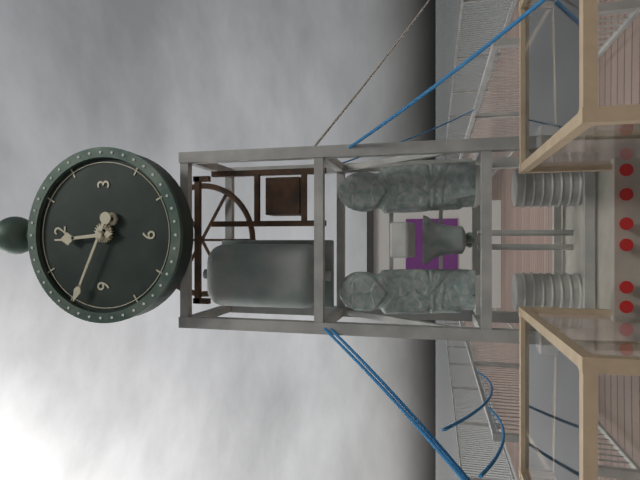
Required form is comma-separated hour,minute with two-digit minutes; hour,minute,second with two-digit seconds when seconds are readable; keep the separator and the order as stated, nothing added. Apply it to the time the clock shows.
11,49
